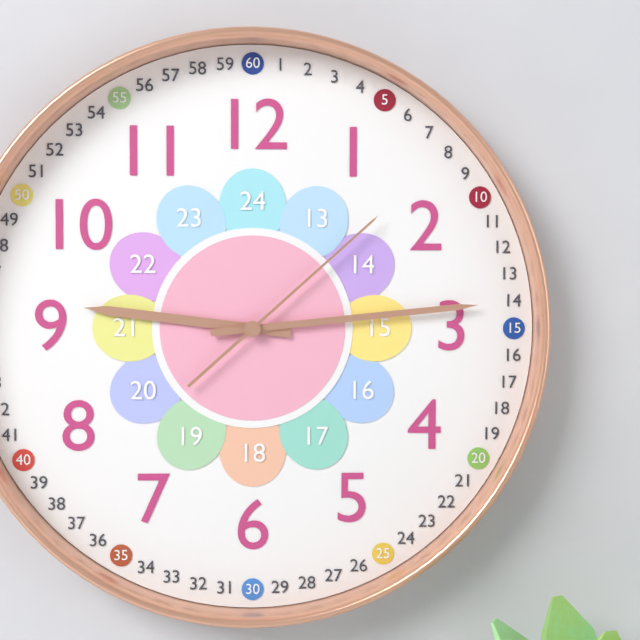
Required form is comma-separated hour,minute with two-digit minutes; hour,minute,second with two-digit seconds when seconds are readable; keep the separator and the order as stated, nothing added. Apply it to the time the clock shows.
9,14,08
